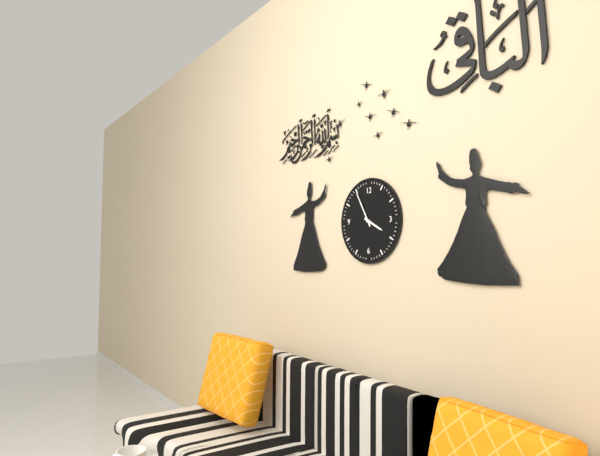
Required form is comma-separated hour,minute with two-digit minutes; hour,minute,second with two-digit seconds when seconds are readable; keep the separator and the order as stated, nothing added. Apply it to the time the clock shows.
3,55
